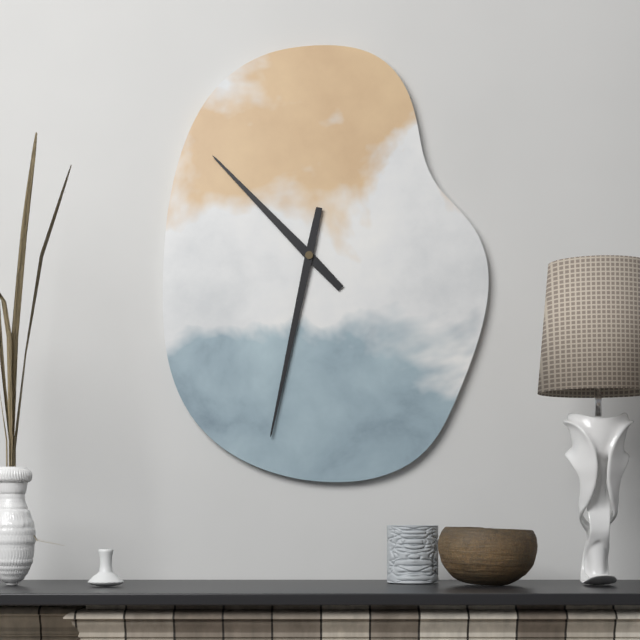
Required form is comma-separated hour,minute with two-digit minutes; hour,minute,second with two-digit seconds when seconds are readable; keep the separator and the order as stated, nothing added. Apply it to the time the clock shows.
10,32
